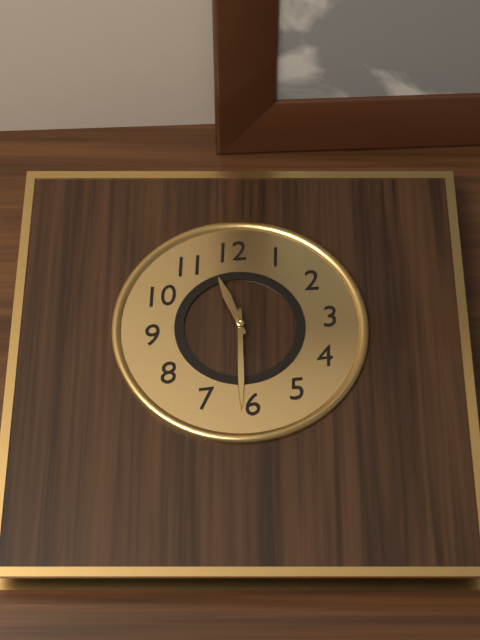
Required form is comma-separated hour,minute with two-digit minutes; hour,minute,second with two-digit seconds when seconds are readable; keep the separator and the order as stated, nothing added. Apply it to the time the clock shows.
11,31
